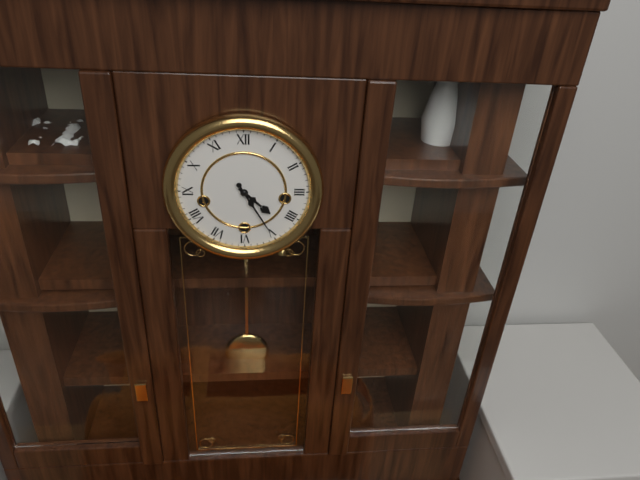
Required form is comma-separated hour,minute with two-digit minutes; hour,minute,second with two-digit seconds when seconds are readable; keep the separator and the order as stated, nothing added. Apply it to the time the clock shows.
4,25
